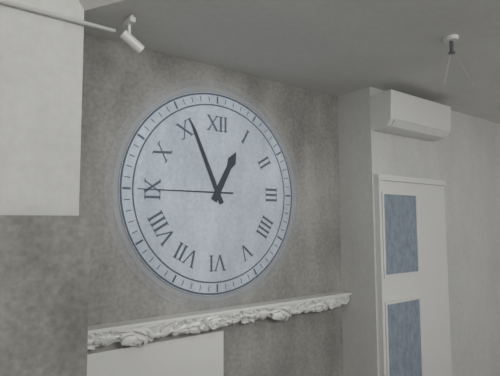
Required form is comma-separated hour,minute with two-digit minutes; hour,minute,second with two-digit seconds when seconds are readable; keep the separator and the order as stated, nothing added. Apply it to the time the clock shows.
12,56,45
